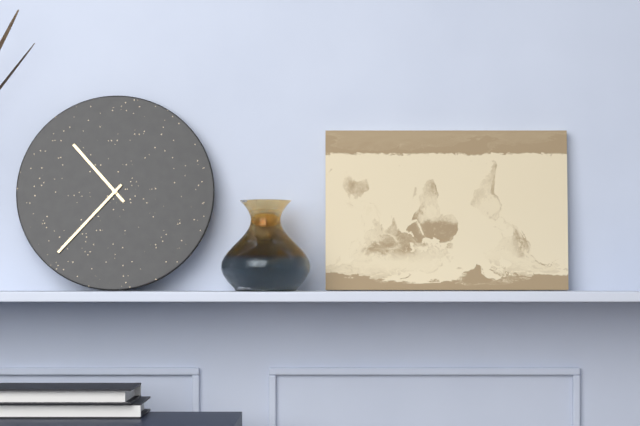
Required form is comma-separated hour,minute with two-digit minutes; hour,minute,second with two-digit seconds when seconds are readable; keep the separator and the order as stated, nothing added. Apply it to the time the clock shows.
10,37
